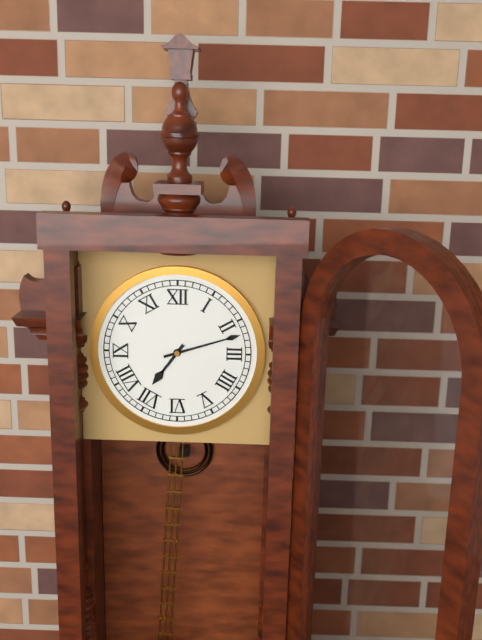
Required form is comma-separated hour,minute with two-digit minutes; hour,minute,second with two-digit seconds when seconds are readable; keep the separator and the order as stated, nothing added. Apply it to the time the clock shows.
7,12
